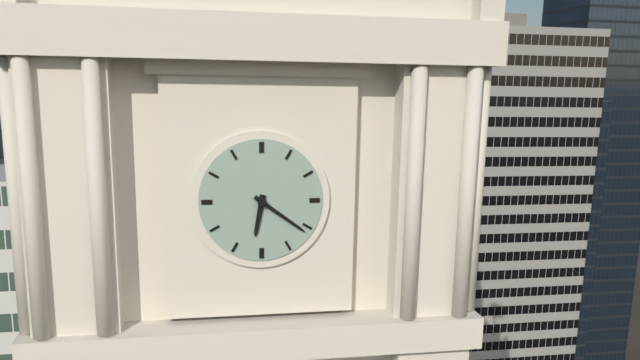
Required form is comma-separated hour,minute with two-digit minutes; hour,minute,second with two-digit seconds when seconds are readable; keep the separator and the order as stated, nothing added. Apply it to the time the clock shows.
6,21
